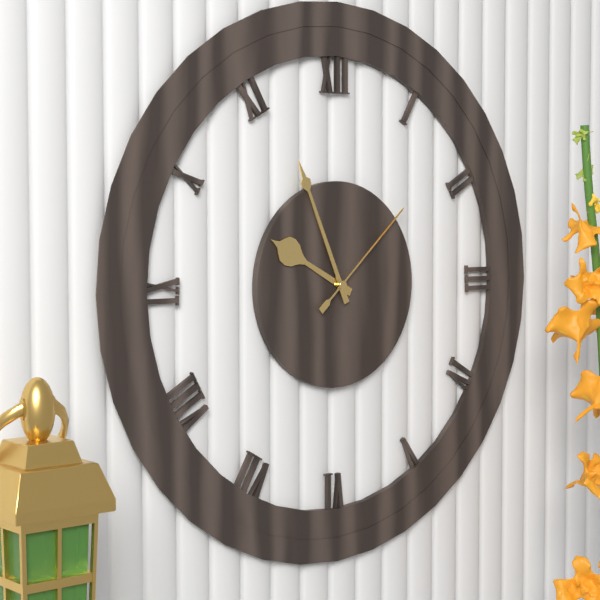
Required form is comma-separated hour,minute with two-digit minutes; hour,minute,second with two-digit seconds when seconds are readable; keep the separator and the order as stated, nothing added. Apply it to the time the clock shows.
9,56,08
